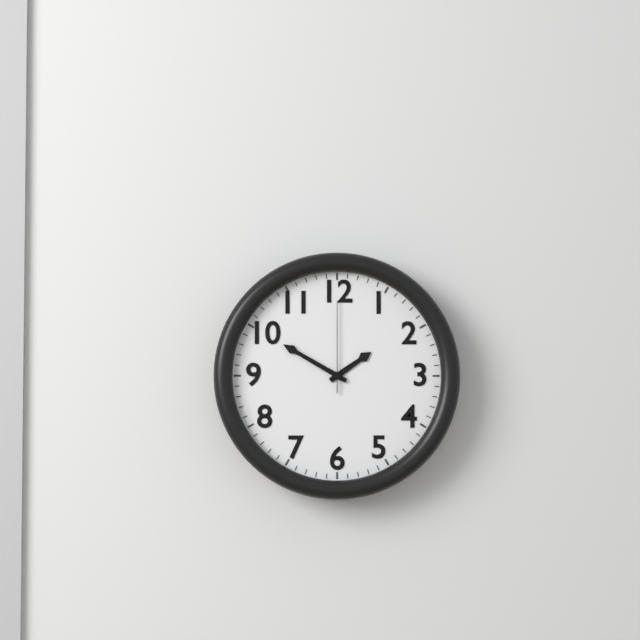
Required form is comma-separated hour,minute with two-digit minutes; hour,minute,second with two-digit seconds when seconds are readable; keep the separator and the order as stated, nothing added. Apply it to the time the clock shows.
1,50,00
